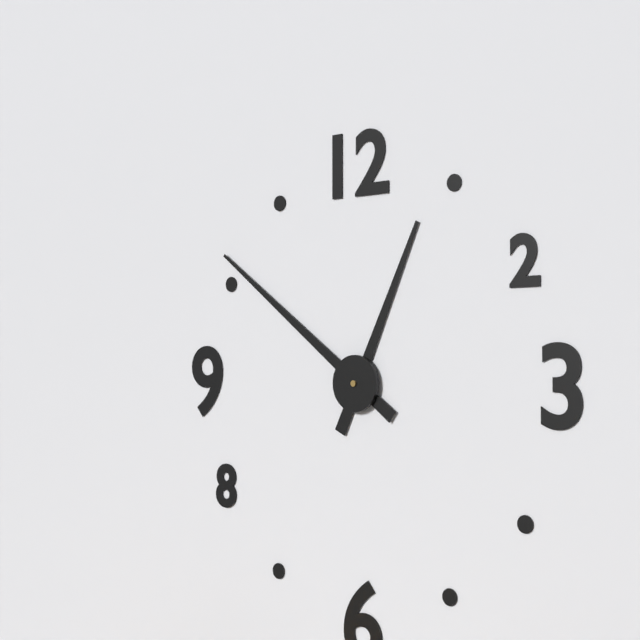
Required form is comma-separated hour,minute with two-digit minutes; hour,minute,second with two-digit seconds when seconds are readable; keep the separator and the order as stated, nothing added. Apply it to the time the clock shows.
12,51
